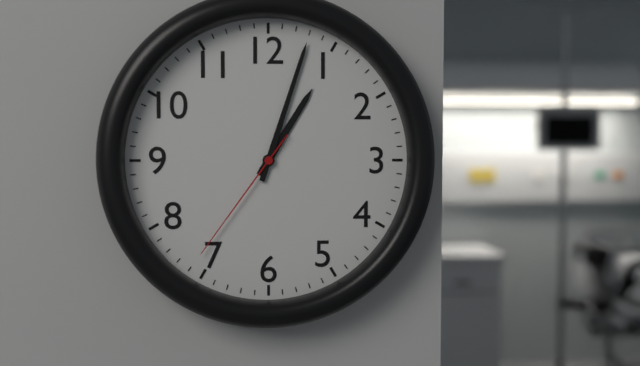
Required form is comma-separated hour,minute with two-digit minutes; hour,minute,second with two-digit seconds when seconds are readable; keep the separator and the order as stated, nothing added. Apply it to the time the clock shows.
1,03,36
